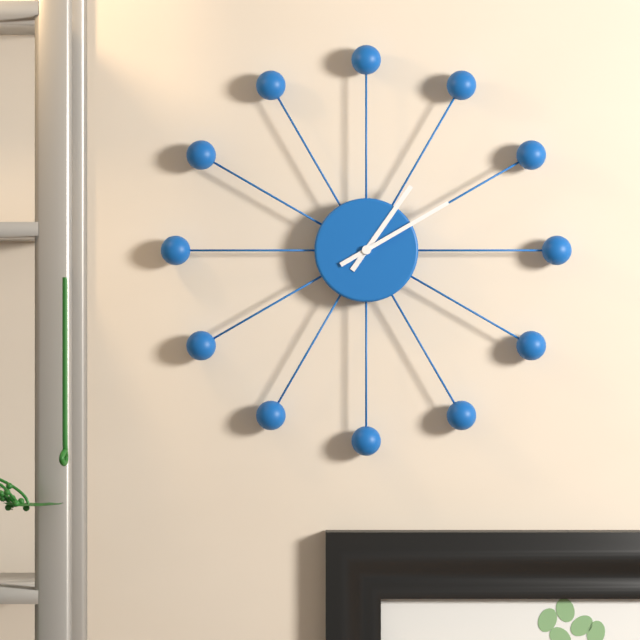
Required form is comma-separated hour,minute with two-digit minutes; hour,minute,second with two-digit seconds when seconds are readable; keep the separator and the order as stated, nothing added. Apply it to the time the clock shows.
1,10
